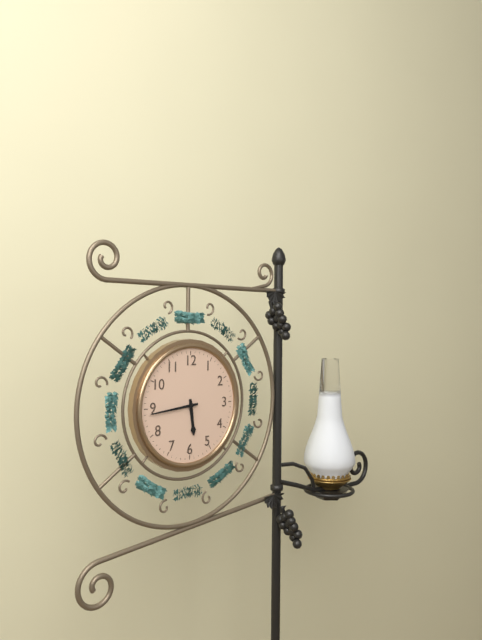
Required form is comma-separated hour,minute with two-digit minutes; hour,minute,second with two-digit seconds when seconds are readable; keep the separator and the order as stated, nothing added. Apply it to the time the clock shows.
5,44
